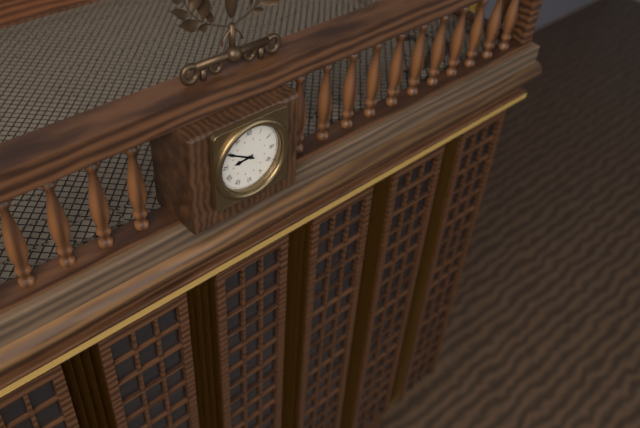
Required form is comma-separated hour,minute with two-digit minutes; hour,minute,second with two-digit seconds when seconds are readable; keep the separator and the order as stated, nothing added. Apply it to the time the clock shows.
8,50
